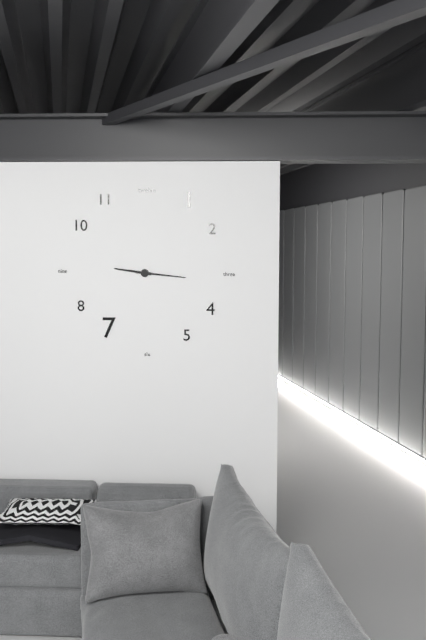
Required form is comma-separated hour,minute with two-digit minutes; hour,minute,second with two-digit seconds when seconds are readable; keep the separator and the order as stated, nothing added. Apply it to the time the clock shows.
9,16
